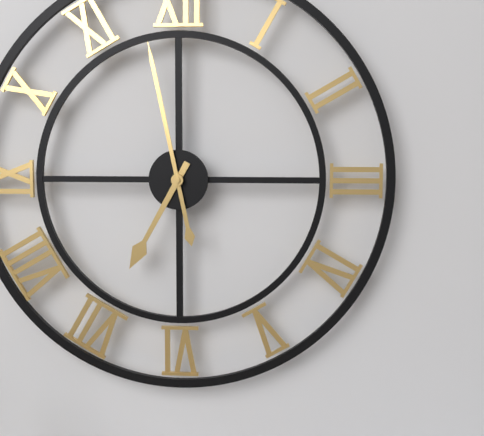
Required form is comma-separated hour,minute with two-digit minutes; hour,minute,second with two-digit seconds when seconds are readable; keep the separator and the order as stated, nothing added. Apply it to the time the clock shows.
6,58
